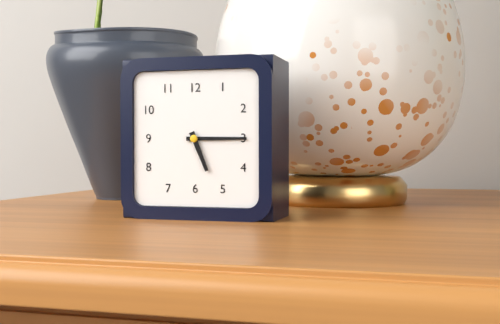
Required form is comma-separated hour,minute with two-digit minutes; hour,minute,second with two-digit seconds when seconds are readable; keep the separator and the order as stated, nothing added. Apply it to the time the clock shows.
5,15
